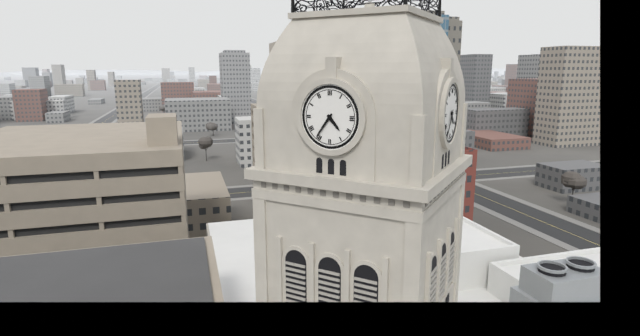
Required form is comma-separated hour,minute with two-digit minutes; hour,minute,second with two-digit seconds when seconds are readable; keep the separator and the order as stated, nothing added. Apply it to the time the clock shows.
4,36
